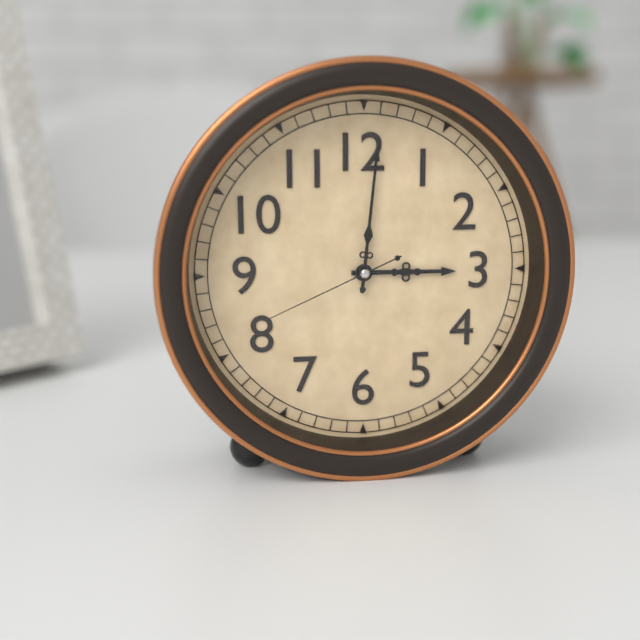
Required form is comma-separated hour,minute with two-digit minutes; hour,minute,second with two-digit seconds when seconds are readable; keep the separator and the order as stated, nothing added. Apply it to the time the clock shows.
3,01,41
